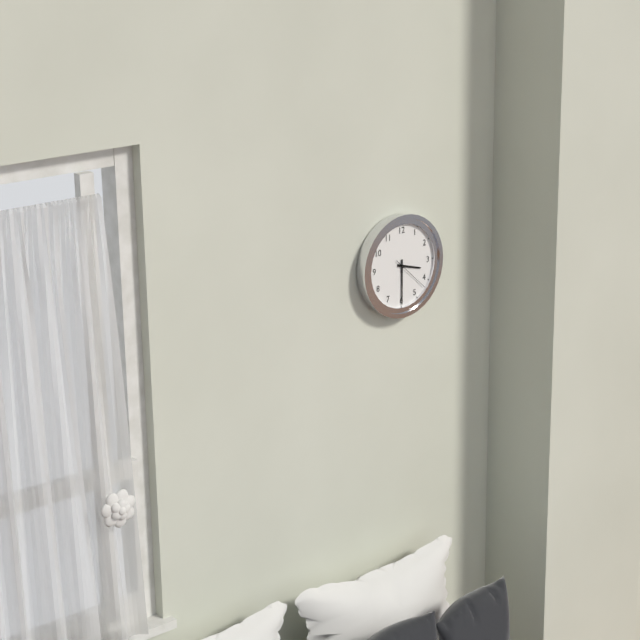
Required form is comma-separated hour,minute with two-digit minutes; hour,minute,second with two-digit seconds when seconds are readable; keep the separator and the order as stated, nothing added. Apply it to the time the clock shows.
3,30
